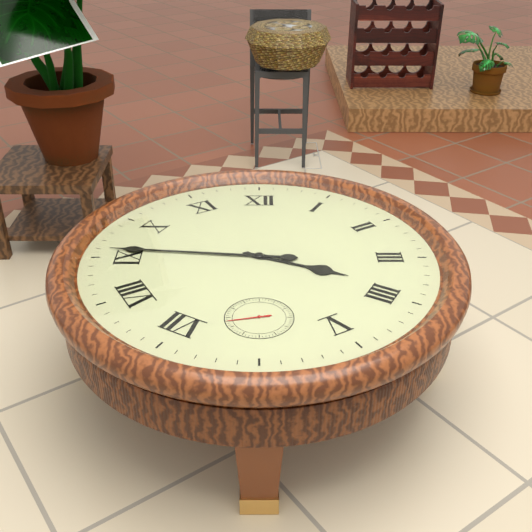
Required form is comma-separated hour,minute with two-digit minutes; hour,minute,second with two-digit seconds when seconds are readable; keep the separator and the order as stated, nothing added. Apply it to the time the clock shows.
3,46
